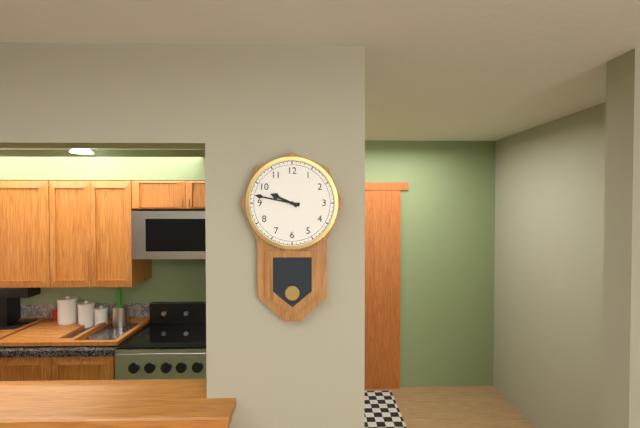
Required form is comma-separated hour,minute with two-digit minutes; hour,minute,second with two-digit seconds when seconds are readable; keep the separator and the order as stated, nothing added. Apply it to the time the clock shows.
9,47
